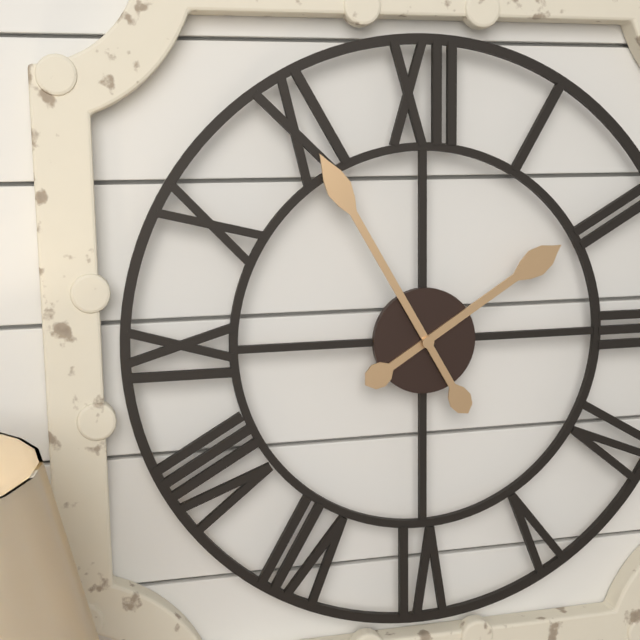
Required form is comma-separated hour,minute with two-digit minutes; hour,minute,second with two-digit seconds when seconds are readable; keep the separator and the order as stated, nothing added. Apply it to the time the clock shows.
1,55
